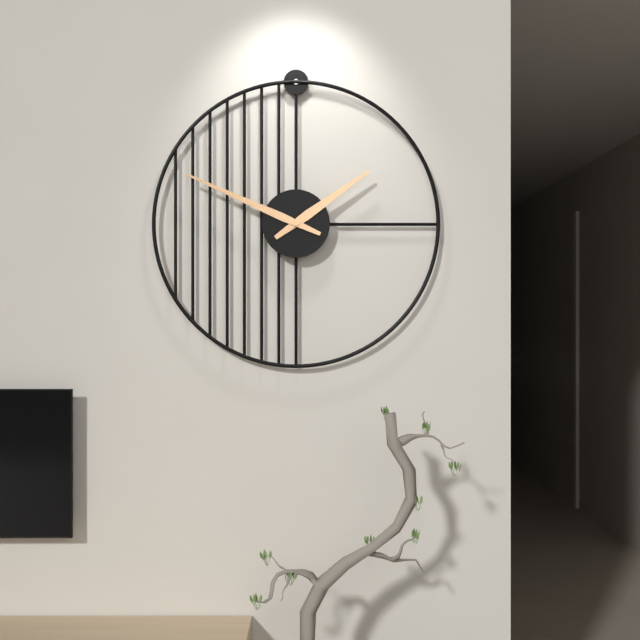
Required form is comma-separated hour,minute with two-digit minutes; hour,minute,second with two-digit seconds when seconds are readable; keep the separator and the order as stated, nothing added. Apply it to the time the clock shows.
1,49
